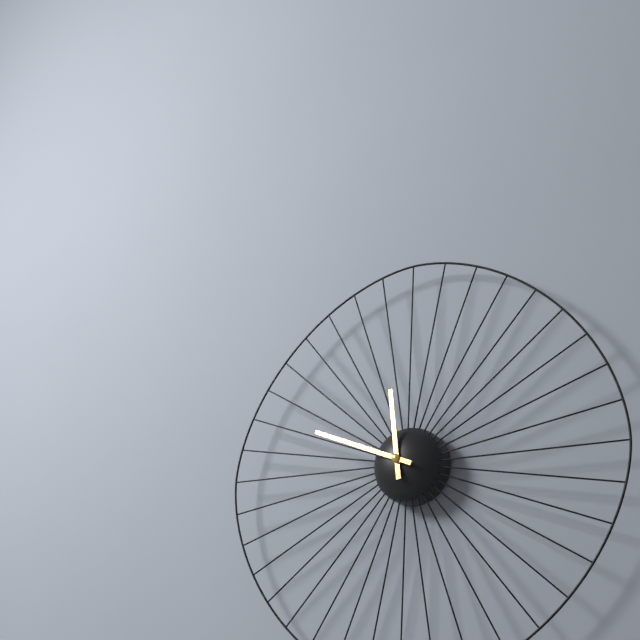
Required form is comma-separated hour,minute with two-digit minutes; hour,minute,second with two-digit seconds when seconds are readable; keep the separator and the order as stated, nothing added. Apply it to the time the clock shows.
11,49
